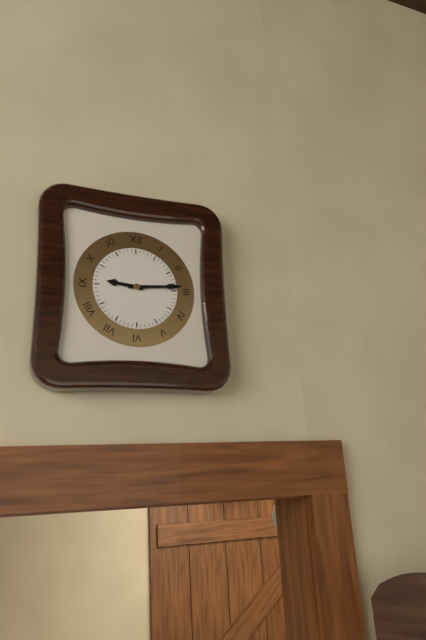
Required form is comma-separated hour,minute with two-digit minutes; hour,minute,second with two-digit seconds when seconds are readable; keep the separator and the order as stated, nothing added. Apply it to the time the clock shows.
9,14
